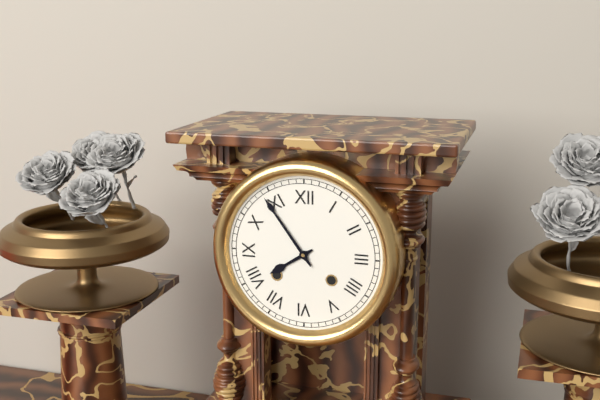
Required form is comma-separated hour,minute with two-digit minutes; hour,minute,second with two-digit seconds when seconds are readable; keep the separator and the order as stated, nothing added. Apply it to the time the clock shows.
7,54
